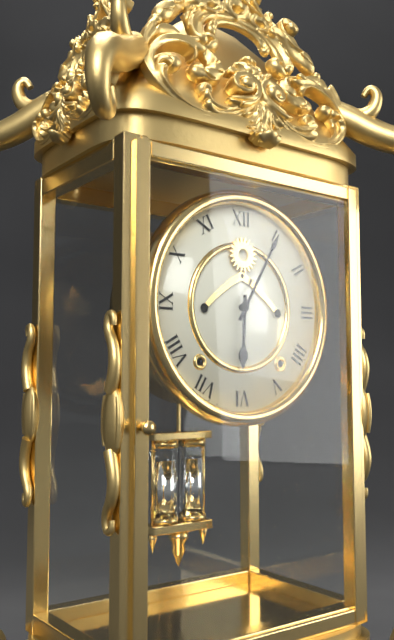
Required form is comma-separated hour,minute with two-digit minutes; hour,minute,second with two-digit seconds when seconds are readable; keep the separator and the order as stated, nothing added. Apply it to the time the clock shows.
6,05
